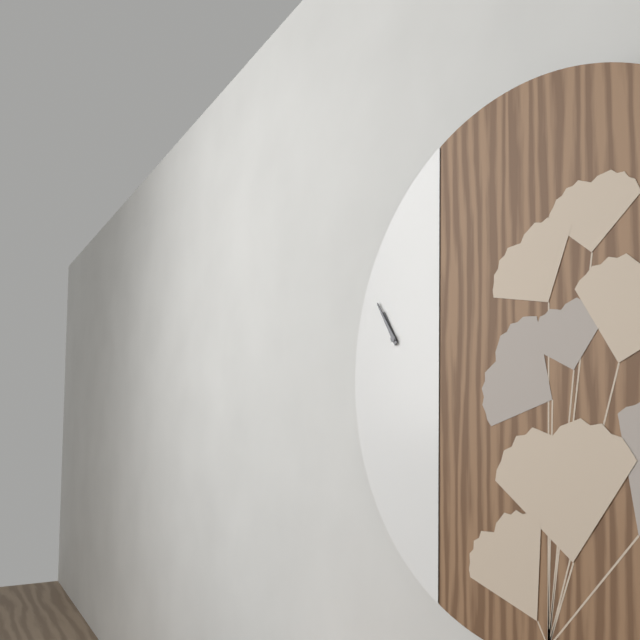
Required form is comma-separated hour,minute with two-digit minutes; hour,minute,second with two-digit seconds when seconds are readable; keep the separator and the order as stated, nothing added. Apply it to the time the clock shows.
10,54
